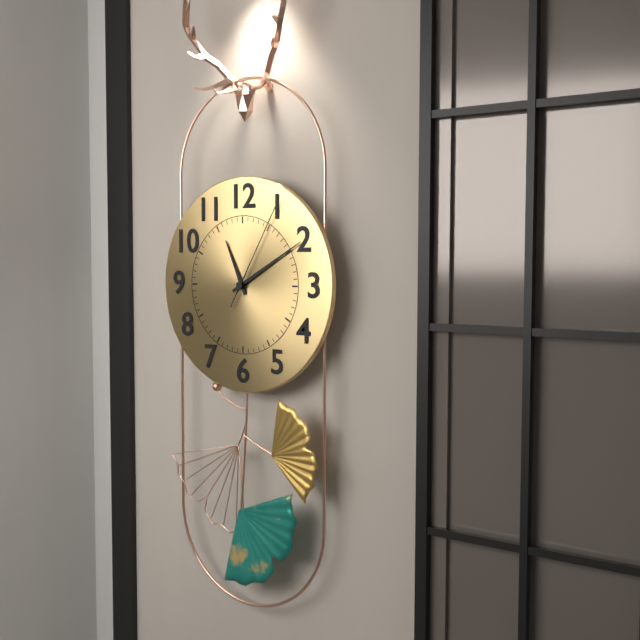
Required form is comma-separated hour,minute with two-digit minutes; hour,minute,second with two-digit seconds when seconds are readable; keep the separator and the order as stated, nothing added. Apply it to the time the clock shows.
11,10,05
